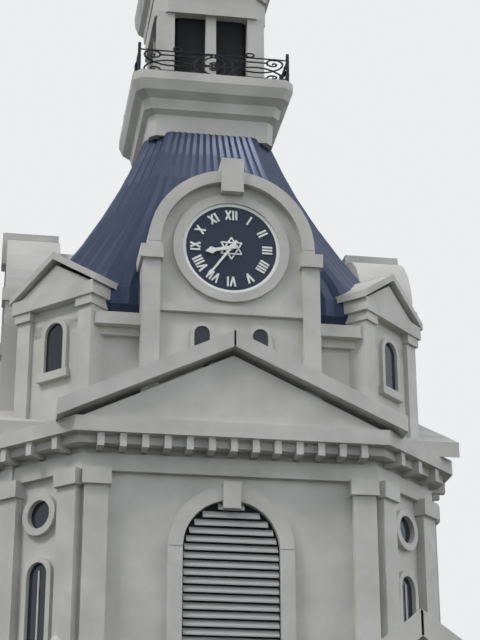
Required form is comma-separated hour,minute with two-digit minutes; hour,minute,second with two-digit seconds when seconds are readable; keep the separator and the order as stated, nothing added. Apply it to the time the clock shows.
8,36
